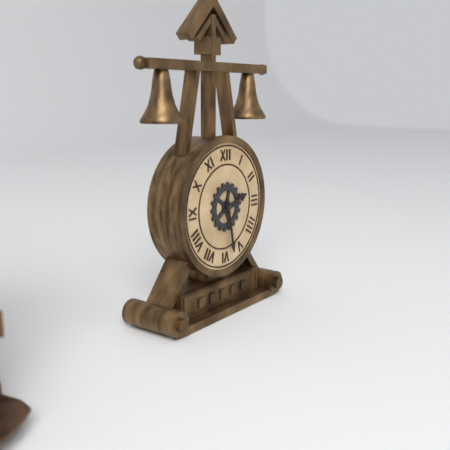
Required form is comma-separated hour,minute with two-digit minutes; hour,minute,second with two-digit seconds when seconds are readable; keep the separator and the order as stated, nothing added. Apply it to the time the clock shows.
2,28
